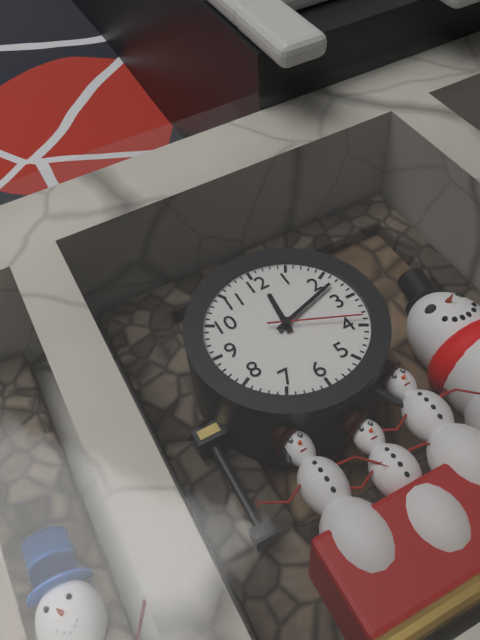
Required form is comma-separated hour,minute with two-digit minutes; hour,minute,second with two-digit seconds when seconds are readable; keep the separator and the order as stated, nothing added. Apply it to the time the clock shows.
12,12,19
